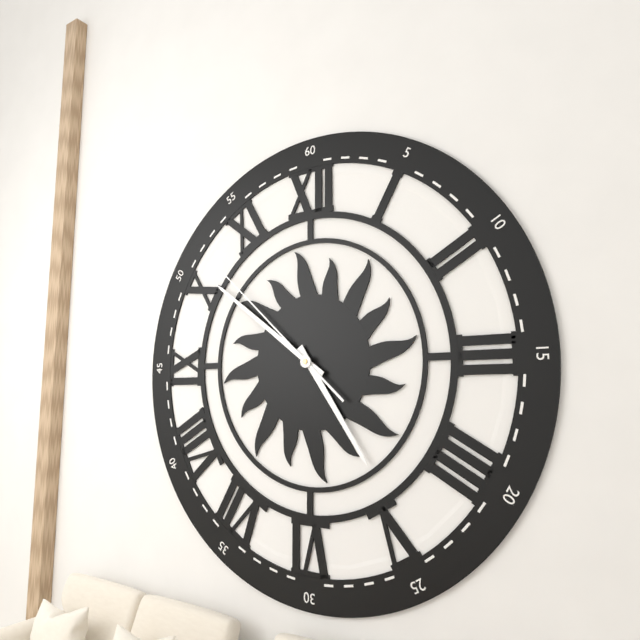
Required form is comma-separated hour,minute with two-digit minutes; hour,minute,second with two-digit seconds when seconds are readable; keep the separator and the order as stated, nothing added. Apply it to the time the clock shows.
4,51,52
